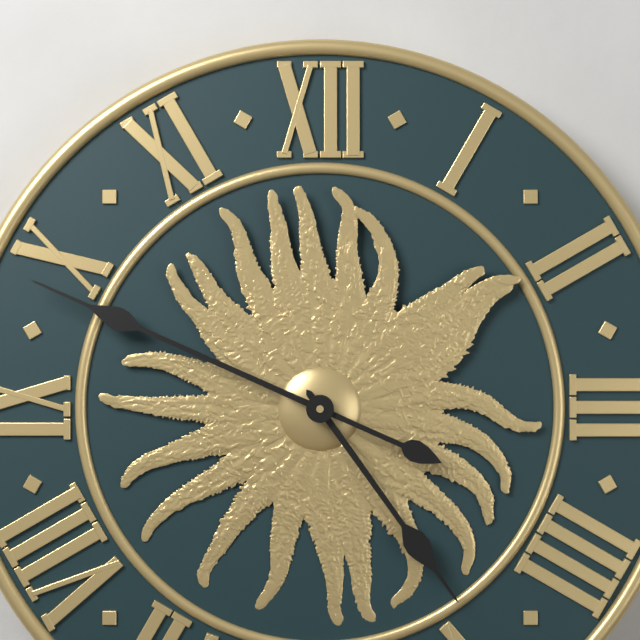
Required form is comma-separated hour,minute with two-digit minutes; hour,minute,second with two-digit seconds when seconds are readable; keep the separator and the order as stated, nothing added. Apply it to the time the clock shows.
4,49
